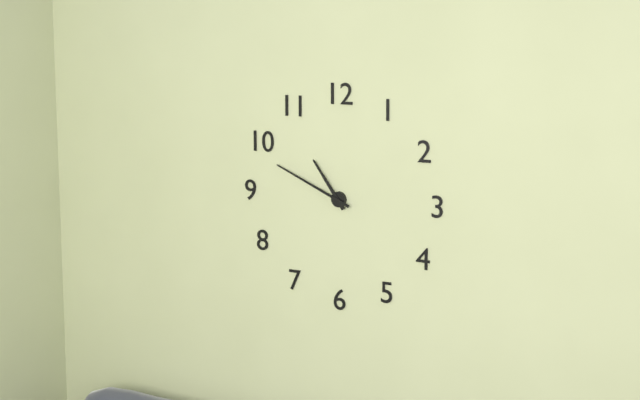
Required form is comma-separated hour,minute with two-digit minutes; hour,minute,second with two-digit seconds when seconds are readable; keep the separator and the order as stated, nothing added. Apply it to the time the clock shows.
10,49
